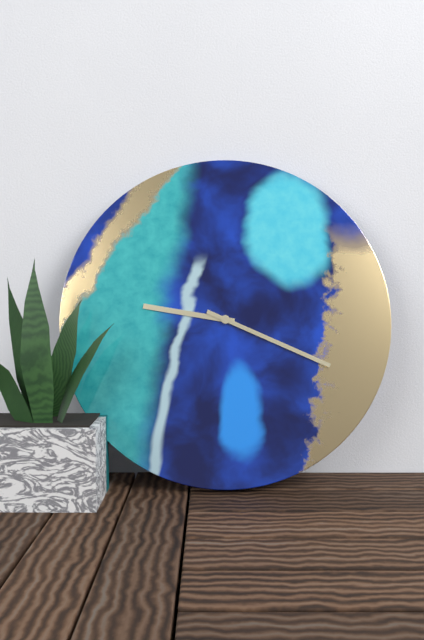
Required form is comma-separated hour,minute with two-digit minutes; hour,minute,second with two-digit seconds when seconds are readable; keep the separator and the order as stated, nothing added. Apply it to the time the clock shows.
9,19
